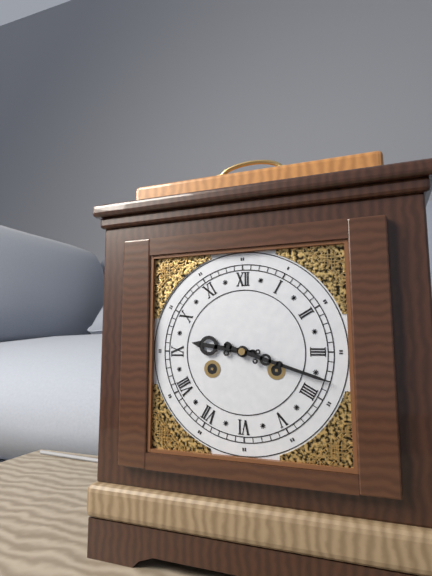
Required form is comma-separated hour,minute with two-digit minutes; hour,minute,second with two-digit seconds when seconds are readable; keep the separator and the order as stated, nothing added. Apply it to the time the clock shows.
9,18
